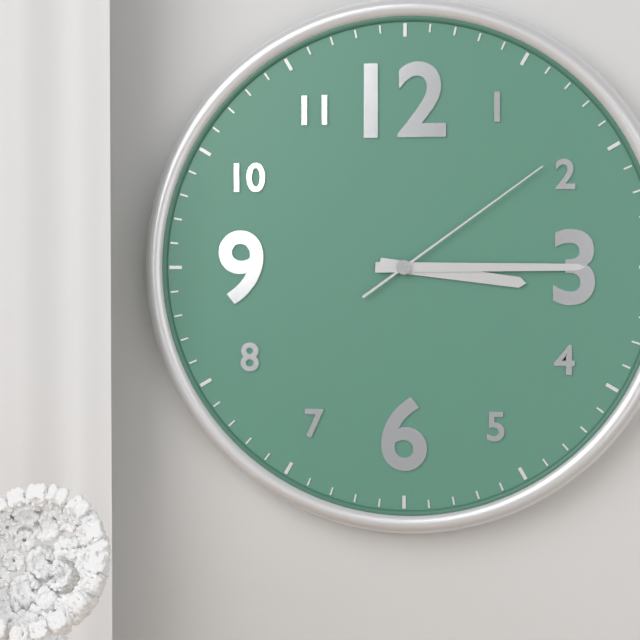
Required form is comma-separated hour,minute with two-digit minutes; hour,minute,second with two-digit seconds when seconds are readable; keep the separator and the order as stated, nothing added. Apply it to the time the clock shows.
3,15,09
